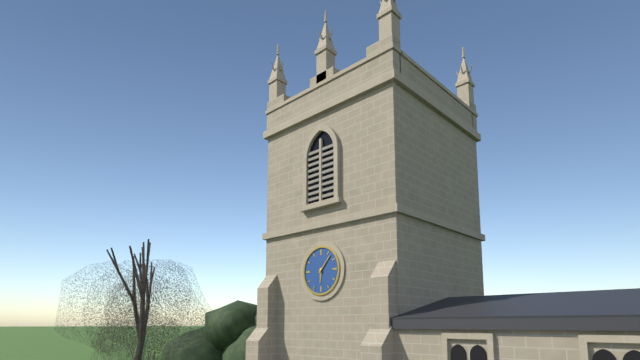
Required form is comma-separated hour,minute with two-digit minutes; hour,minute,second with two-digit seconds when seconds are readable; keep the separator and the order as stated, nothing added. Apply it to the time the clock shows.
6,07
